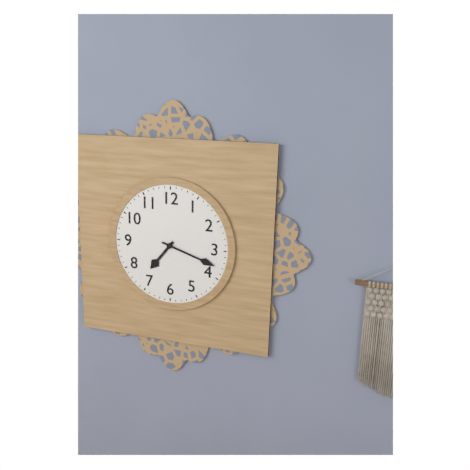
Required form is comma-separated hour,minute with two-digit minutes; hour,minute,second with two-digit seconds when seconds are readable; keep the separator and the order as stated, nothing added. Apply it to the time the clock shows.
7,18
